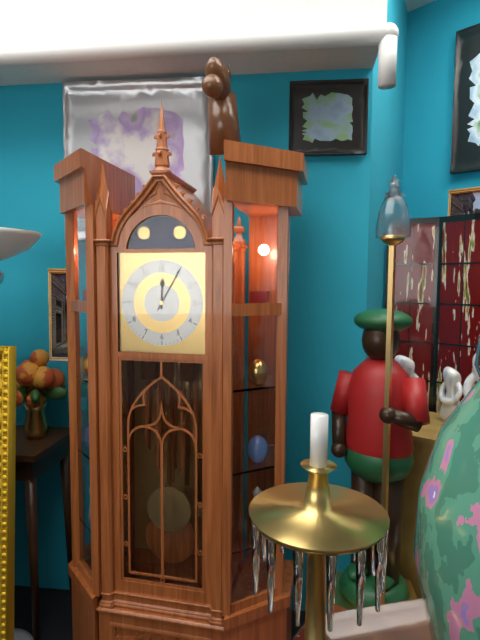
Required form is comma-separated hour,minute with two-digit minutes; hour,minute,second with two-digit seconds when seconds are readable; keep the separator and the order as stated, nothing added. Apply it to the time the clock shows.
12,05
